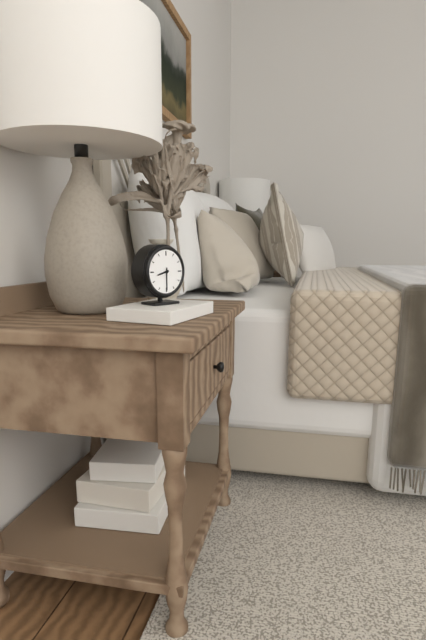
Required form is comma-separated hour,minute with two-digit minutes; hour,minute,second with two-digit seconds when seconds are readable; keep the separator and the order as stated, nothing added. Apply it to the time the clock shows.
8,30
